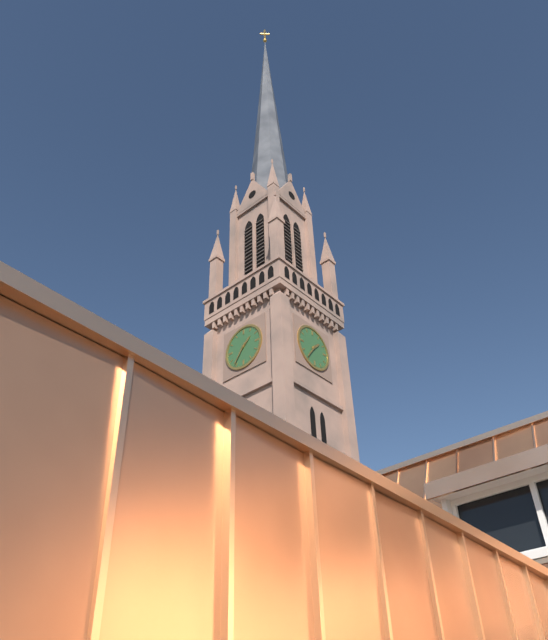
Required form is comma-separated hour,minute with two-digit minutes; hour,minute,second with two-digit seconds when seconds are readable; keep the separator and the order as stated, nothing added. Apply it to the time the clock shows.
1,36
